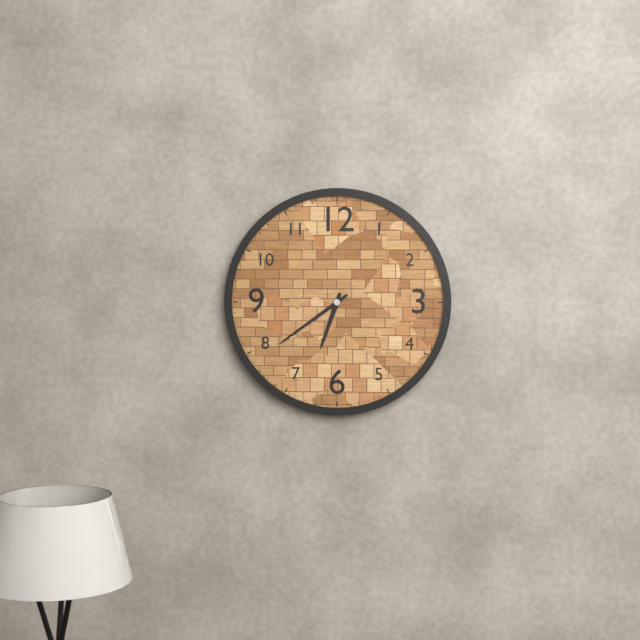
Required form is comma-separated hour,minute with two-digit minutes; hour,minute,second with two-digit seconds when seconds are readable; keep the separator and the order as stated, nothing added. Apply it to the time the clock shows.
6,39
